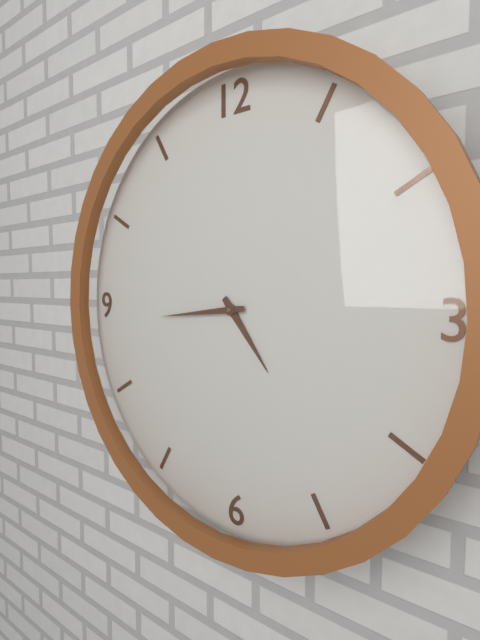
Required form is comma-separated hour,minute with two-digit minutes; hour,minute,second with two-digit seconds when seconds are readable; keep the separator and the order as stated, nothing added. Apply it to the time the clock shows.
4,44
